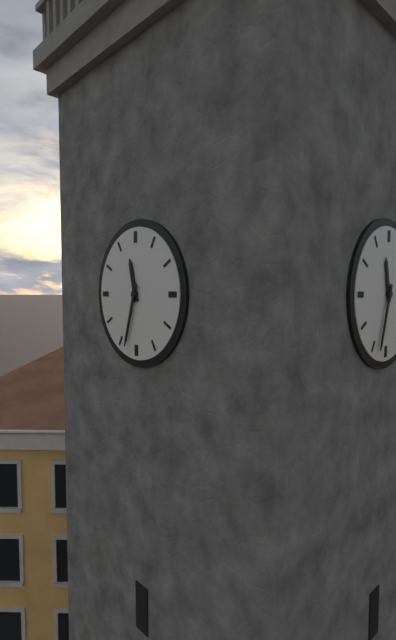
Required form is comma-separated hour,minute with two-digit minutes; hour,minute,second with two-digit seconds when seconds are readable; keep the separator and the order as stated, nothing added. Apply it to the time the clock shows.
11,33
